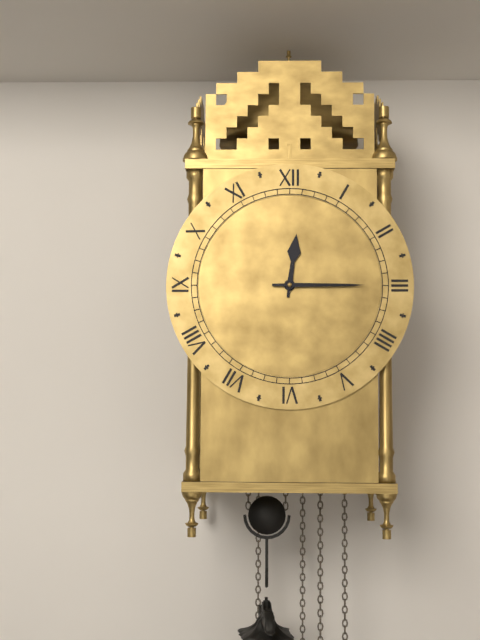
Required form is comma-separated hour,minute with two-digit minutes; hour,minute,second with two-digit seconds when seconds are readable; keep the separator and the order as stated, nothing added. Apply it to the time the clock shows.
12,15
